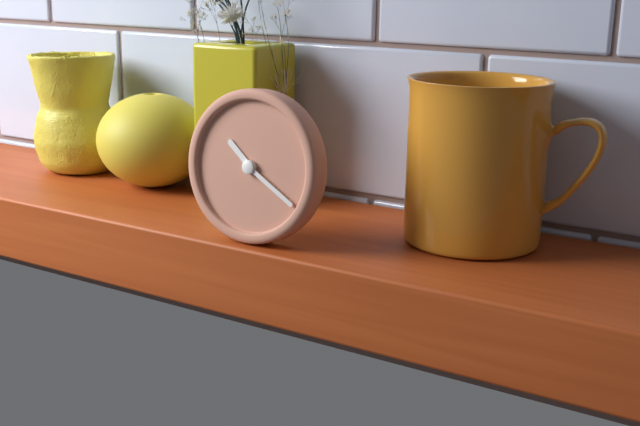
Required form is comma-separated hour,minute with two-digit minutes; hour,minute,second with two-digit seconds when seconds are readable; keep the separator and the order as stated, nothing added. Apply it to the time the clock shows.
10,20
